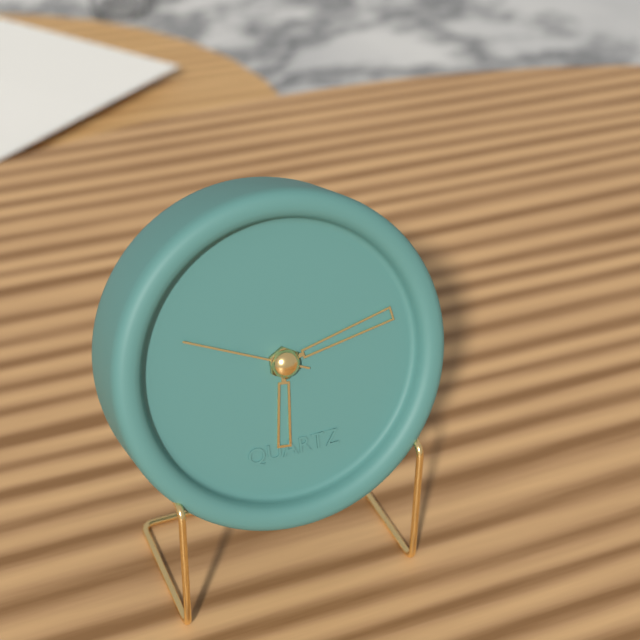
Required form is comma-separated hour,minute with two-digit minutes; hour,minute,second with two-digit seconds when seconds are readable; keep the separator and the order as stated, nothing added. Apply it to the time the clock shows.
6,13,49
